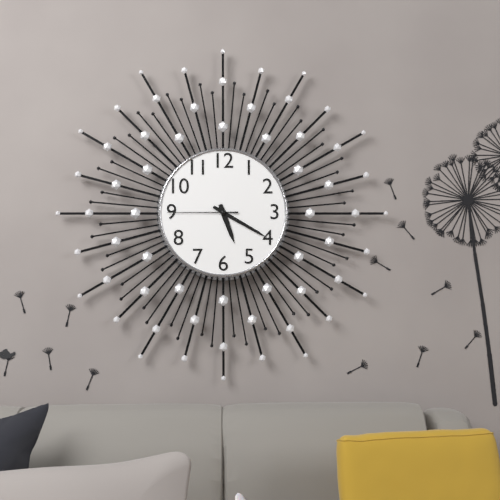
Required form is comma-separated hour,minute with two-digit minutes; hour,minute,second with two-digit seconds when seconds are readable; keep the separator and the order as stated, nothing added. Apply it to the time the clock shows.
5,20,45
